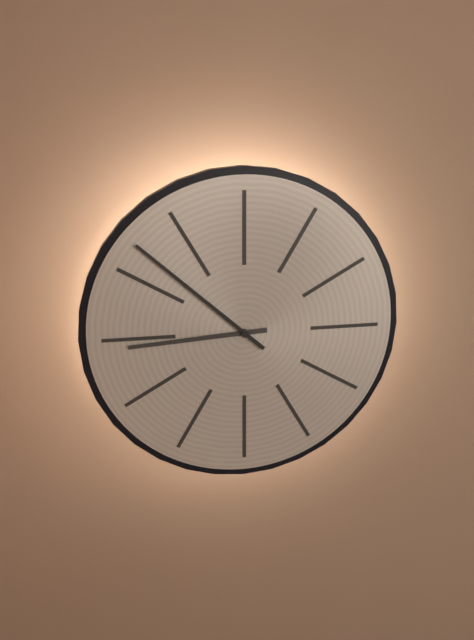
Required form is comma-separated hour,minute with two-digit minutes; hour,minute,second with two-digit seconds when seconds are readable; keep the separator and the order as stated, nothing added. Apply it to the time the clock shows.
8,52
